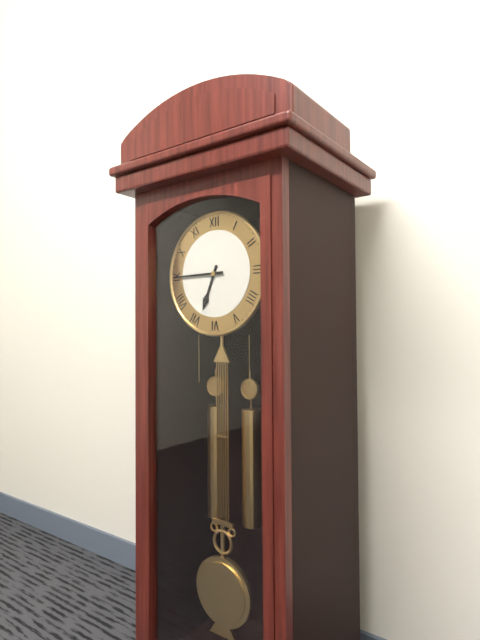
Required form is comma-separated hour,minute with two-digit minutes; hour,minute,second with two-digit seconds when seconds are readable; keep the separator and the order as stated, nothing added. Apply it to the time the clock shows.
6,45
